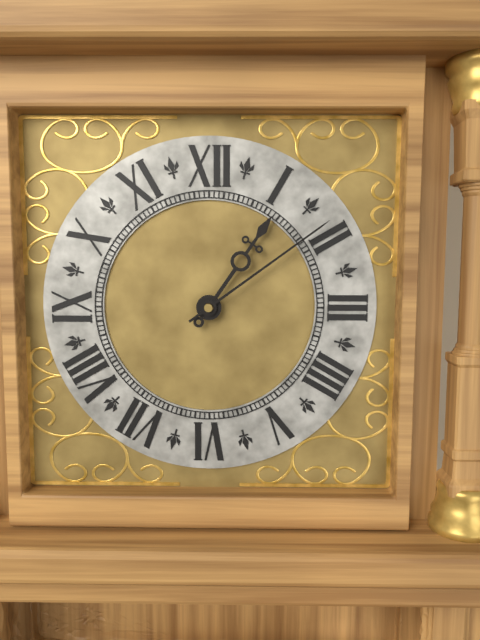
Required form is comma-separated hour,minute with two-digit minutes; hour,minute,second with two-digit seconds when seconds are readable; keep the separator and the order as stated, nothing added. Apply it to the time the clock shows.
1,09
